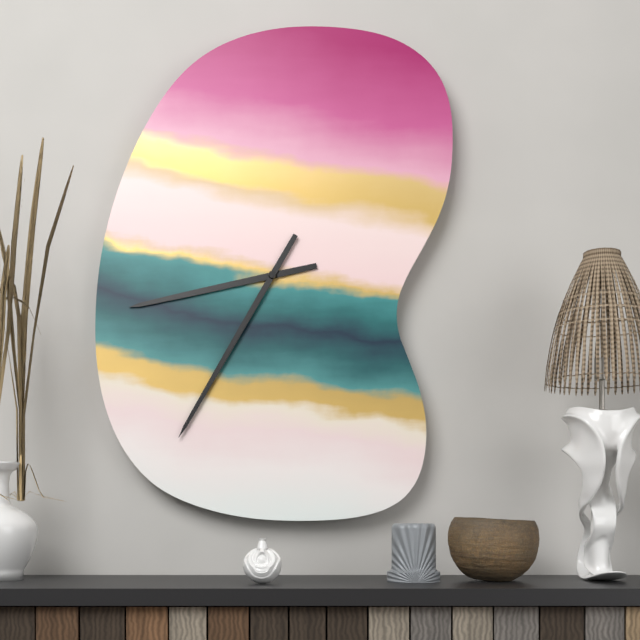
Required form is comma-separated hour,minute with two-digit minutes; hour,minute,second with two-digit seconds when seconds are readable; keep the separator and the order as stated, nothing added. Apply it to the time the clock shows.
8,35
